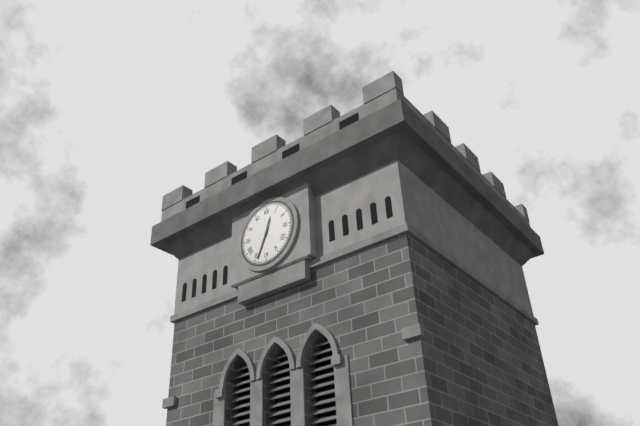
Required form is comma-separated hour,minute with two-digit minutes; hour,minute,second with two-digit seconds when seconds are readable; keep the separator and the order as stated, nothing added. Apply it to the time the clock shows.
12,34
